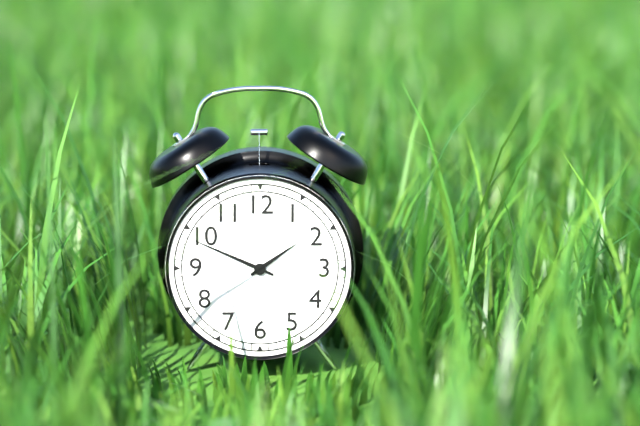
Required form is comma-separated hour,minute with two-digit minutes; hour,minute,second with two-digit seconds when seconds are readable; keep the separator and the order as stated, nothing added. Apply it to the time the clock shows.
1,49
